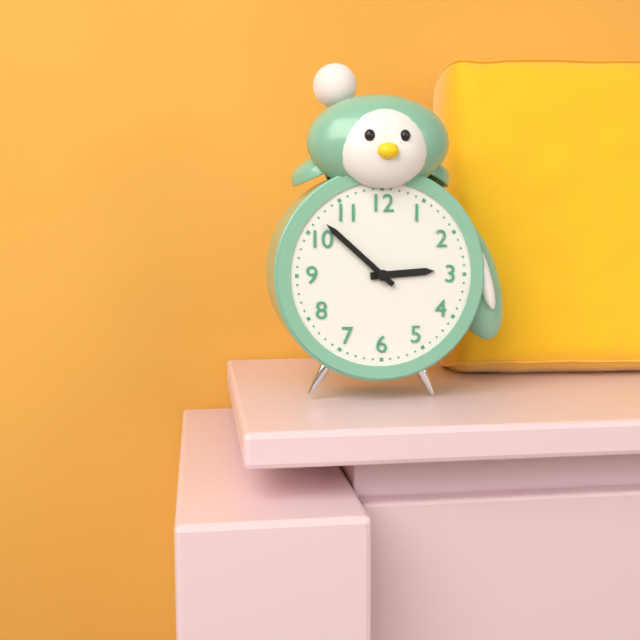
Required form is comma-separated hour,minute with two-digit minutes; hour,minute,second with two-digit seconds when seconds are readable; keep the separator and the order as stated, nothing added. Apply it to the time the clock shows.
2,52
